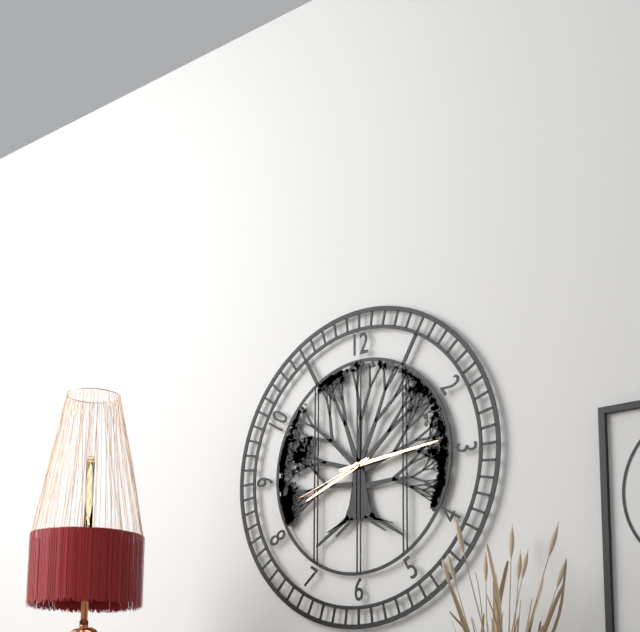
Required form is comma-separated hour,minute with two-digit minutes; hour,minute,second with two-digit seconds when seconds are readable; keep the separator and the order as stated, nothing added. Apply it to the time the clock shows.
8,14,42
